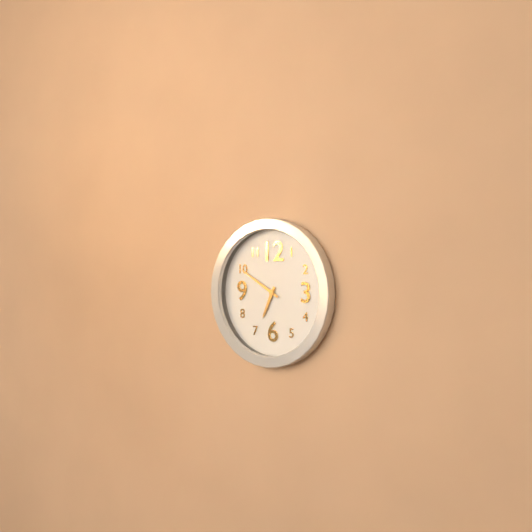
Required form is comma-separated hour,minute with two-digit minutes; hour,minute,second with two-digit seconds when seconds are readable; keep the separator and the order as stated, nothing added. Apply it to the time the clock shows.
6,50
